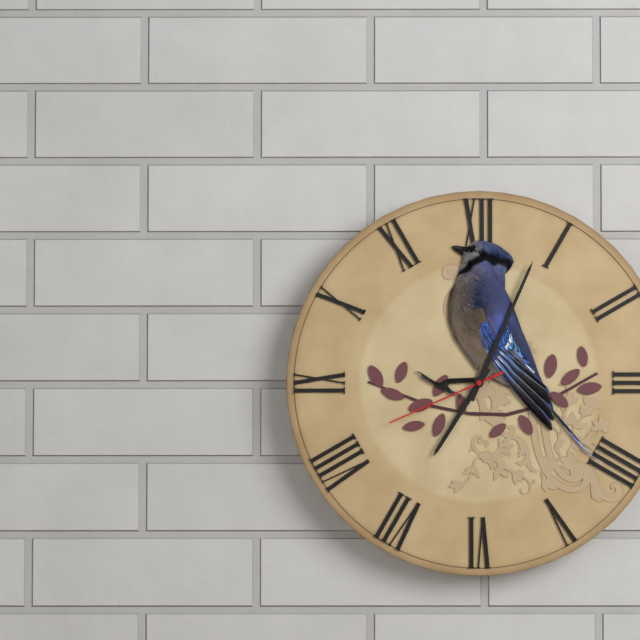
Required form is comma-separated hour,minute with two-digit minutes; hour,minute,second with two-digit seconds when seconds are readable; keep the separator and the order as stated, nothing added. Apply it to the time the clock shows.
7,04,41
